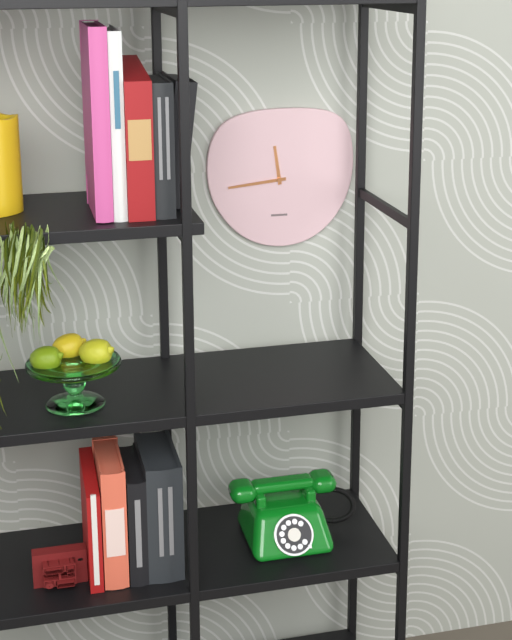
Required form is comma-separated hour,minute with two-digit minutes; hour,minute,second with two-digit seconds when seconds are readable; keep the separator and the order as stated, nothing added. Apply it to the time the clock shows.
11,44
